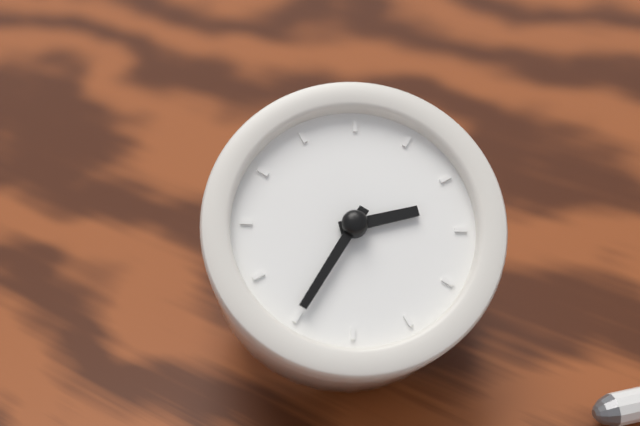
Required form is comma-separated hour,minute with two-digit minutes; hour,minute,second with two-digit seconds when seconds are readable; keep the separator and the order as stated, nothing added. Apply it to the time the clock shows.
1,30
